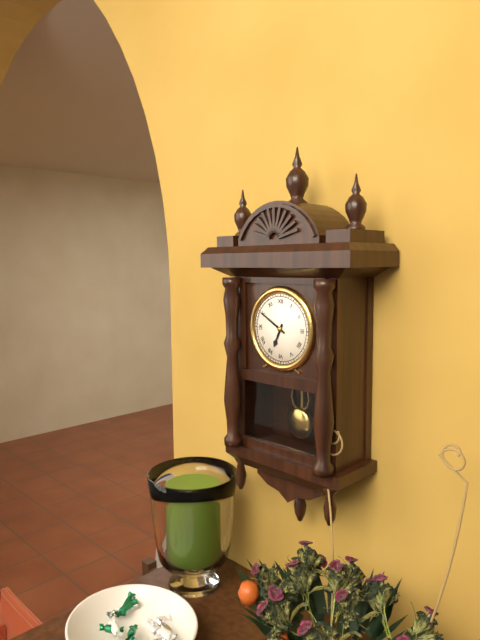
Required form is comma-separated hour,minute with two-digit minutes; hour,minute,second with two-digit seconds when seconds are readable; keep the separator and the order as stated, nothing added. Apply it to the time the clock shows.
6,50
